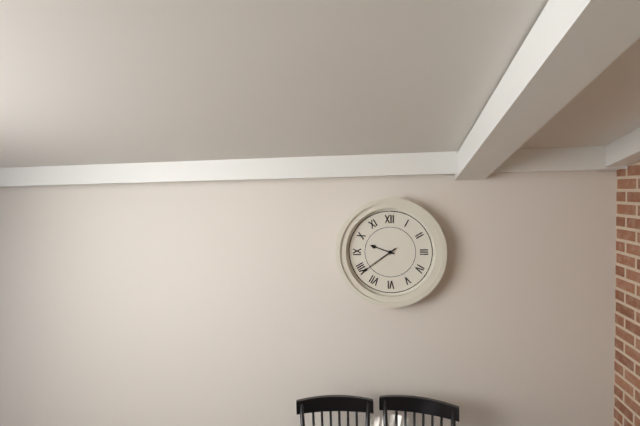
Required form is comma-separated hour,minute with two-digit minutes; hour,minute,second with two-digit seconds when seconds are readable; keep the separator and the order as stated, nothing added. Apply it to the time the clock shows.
9,39
